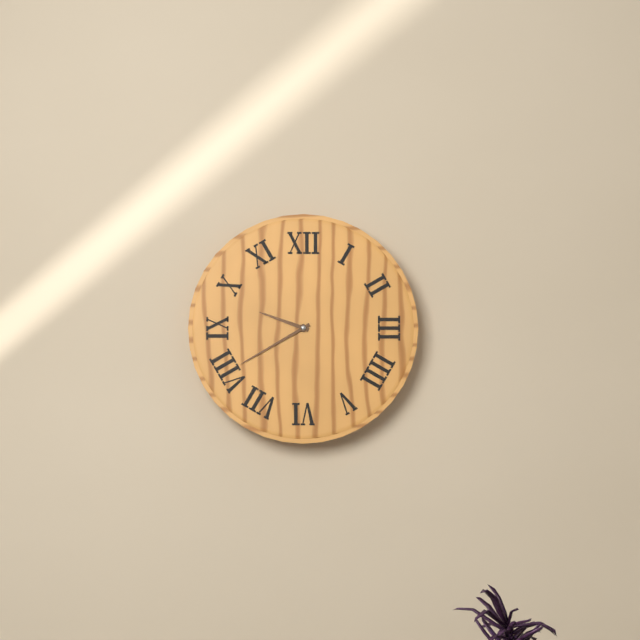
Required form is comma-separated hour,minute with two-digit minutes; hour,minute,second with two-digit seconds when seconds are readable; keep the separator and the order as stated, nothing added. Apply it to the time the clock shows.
9,40
